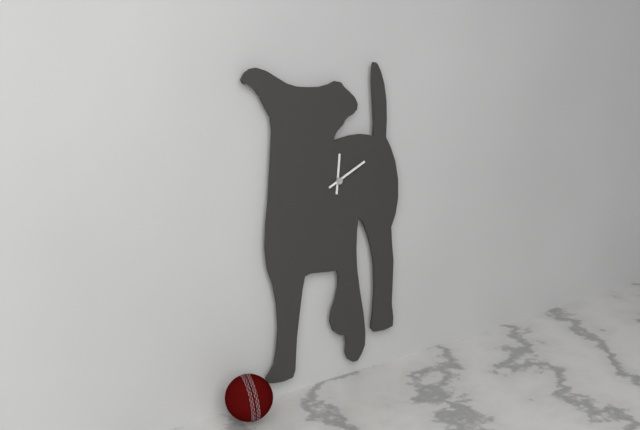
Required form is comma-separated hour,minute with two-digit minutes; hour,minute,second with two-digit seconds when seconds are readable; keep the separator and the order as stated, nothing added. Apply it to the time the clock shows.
12,11
